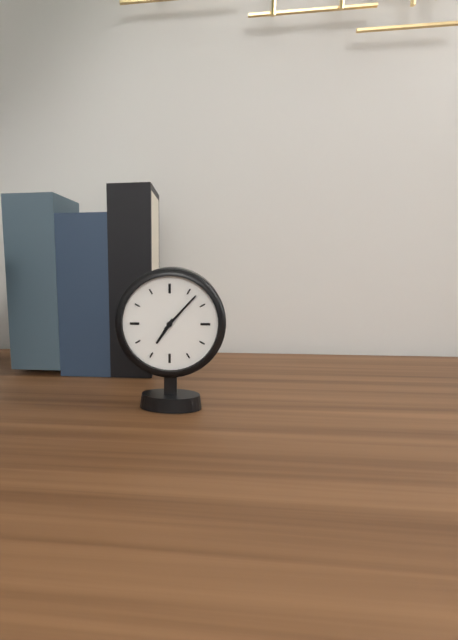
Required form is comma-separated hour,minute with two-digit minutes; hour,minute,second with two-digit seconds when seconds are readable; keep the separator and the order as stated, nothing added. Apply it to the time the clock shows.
7,07
